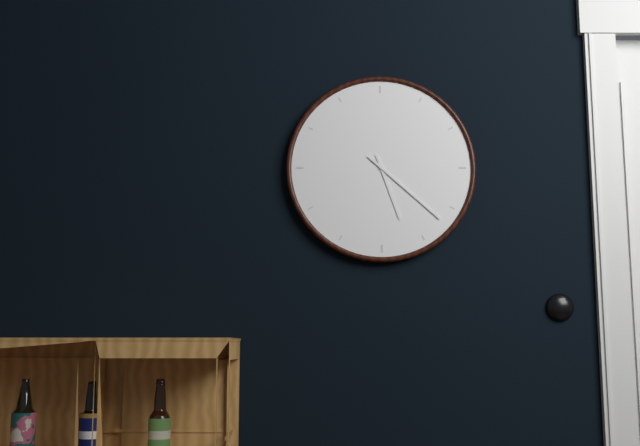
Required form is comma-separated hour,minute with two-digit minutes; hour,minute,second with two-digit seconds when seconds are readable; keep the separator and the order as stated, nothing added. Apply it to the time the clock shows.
5,22
